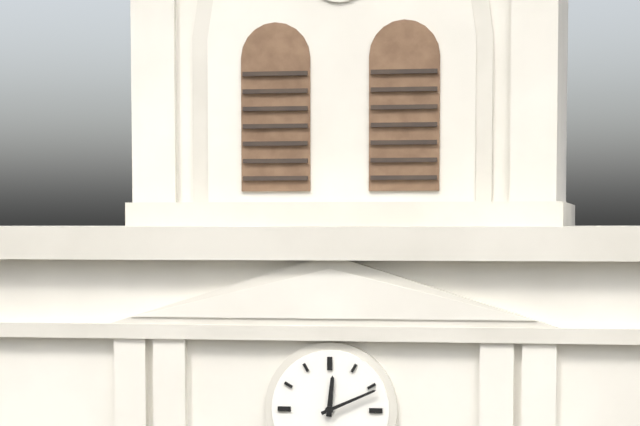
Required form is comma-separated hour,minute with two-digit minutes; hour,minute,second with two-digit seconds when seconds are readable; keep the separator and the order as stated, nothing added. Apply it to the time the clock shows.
12,11
